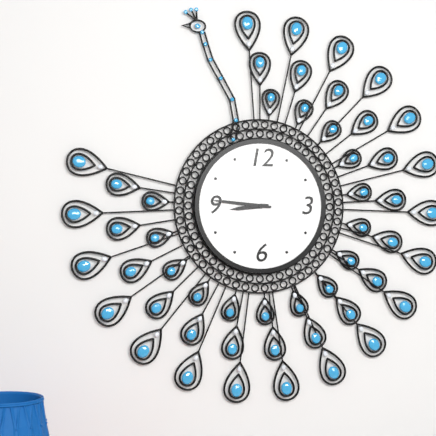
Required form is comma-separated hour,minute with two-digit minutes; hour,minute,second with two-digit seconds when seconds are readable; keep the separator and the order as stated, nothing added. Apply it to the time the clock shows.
8,46
